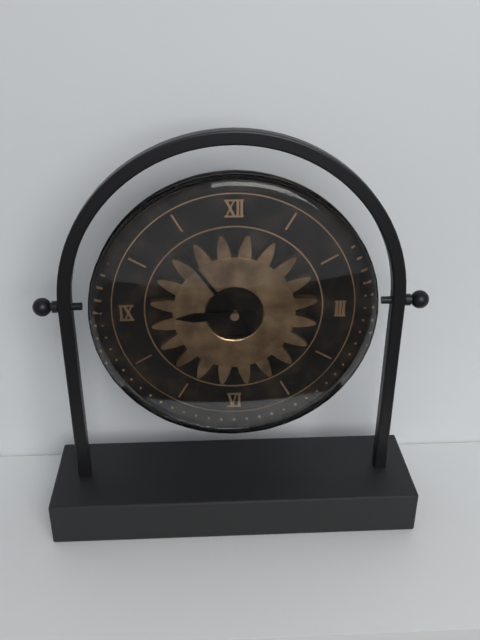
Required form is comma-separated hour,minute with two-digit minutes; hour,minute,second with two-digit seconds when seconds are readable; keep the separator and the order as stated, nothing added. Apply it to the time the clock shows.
8,54
